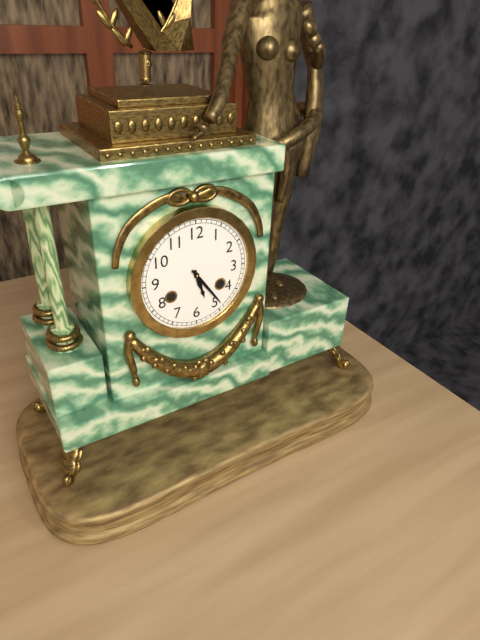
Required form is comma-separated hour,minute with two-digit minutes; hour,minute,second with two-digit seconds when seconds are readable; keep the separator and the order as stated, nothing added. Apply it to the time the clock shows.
5,24
